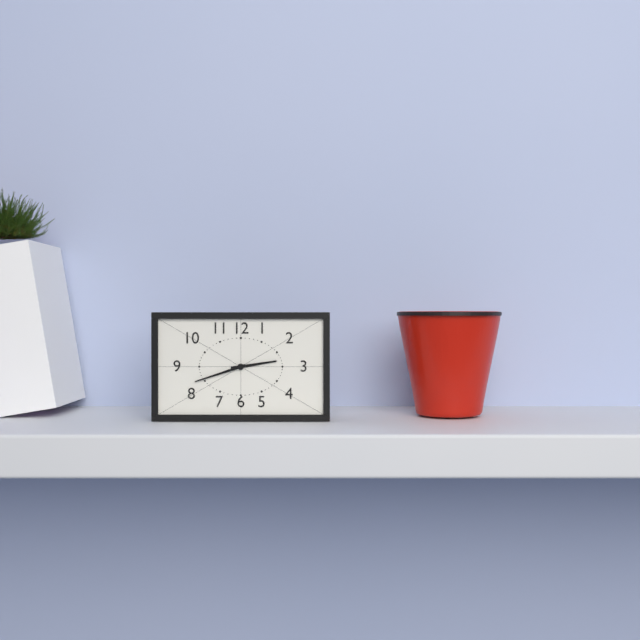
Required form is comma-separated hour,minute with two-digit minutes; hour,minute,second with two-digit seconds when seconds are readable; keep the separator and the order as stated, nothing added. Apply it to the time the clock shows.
2,42
